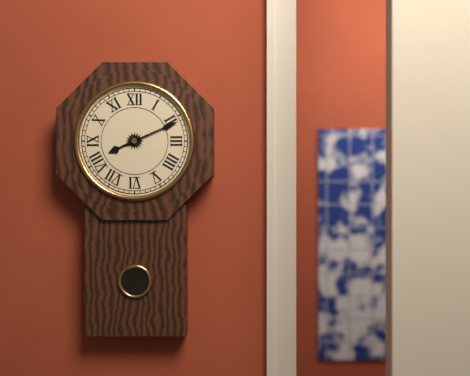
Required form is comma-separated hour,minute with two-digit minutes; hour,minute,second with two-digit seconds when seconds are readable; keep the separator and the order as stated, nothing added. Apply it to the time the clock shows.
8,11
